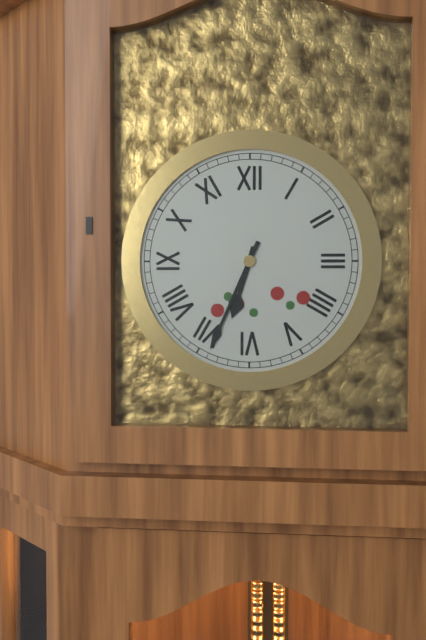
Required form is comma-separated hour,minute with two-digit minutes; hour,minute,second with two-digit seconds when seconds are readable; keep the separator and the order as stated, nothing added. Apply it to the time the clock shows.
6,34
